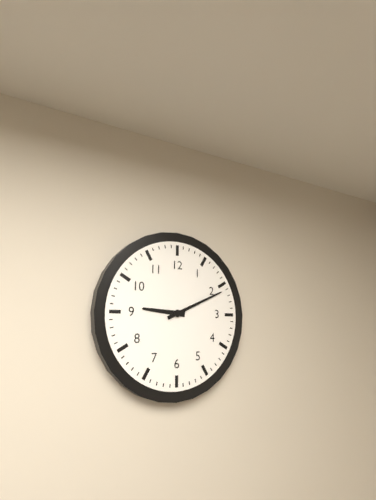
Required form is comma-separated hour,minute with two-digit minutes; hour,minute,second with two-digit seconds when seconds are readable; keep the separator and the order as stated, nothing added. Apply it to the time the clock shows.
9,11
